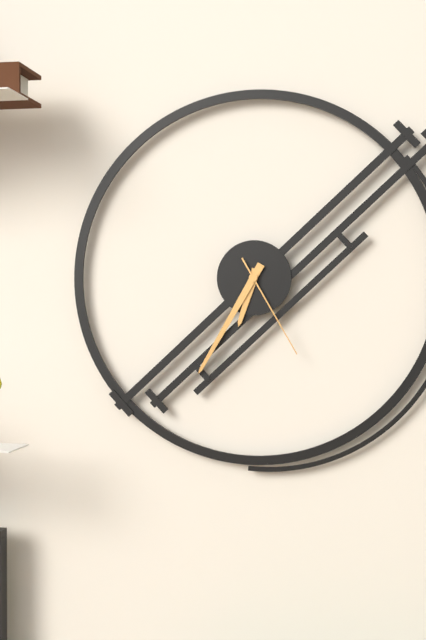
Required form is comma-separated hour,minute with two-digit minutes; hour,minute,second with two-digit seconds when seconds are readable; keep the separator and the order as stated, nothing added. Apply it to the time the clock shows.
6,35,25
